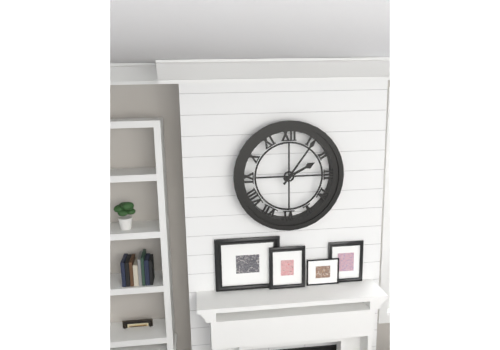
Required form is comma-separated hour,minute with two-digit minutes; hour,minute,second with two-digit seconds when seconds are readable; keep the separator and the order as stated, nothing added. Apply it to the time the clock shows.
2,06
